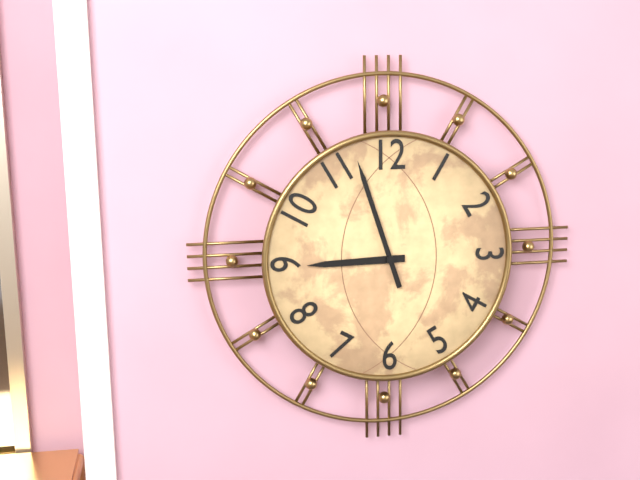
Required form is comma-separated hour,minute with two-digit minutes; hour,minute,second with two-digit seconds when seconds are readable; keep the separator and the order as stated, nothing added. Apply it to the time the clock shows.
8,57
